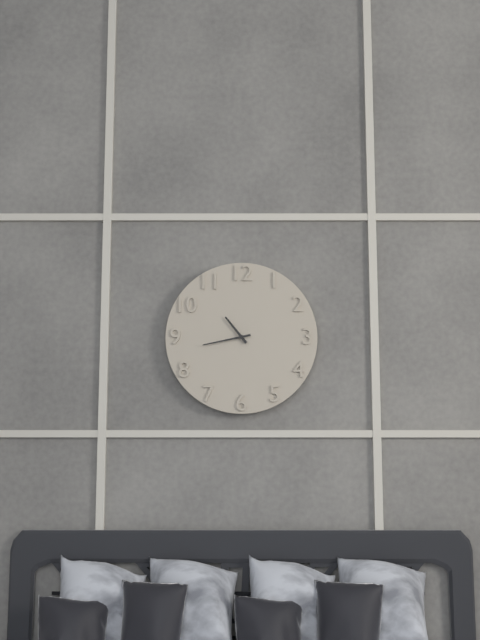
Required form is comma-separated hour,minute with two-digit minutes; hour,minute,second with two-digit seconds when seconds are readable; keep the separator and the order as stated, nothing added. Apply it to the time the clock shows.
10,43
